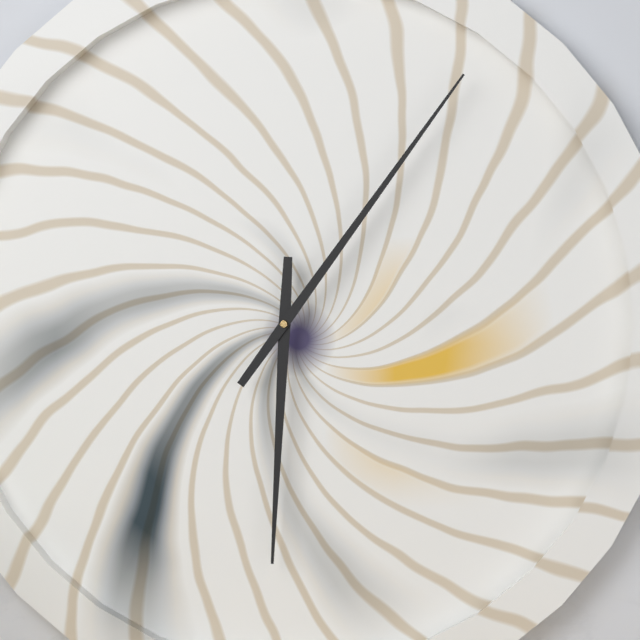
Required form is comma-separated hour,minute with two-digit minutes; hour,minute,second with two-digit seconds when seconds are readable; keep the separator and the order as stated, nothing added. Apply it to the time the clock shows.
6,06
